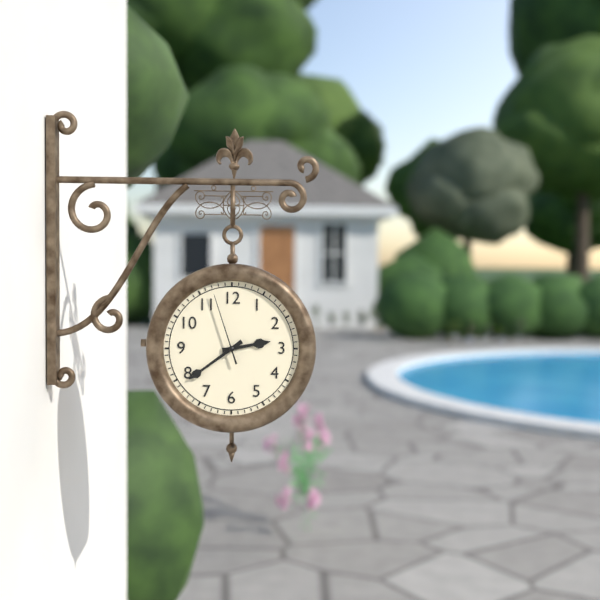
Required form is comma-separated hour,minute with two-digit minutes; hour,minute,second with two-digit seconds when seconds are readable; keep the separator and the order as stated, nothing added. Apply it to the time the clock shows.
2,39,57
